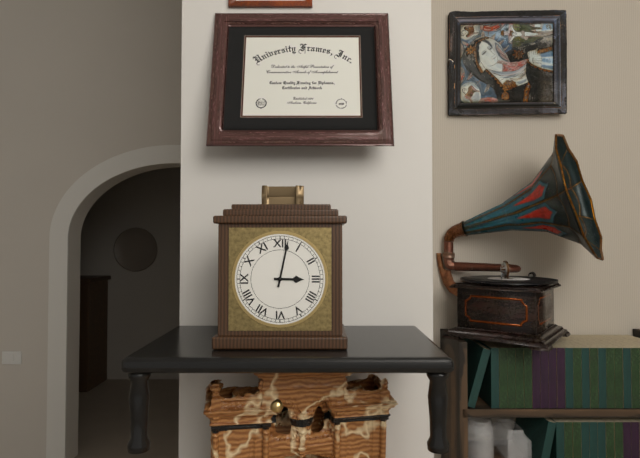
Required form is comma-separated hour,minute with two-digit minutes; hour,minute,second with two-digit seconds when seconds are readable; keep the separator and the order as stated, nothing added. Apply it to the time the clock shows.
3,02
